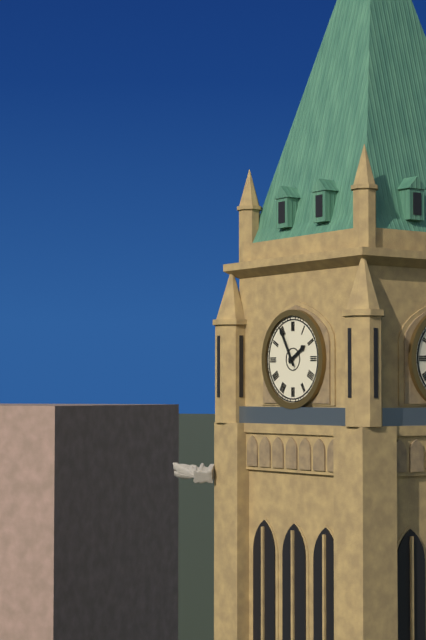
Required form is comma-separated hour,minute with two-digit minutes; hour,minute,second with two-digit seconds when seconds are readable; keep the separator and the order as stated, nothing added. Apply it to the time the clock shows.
1,55
